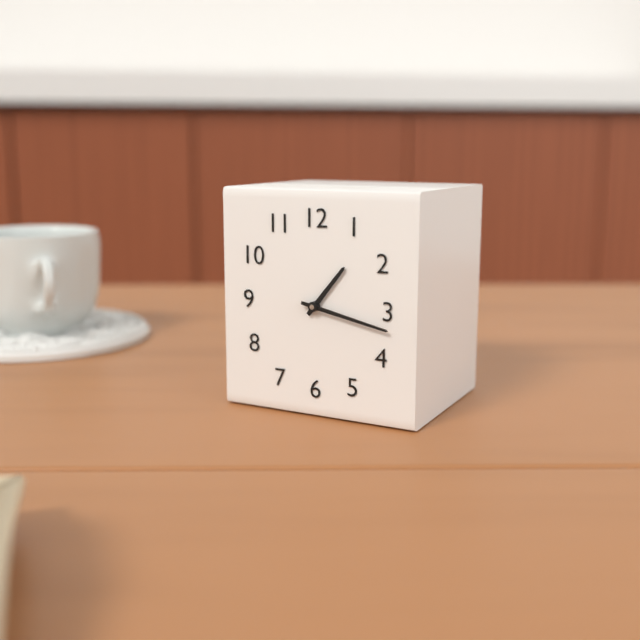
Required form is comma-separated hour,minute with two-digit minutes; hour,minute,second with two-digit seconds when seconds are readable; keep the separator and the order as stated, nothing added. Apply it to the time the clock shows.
1,17
